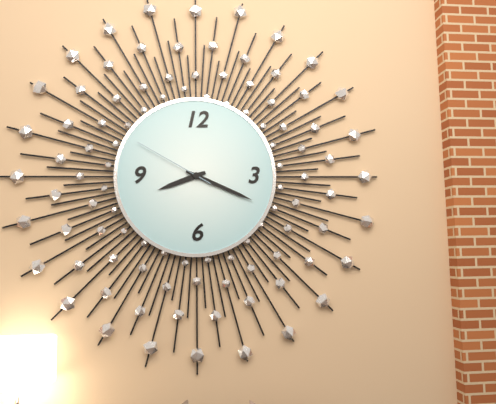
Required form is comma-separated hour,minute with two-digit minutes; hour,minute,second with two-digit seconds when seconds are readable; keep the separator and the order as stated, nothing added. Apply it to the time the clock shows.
8,19,50
